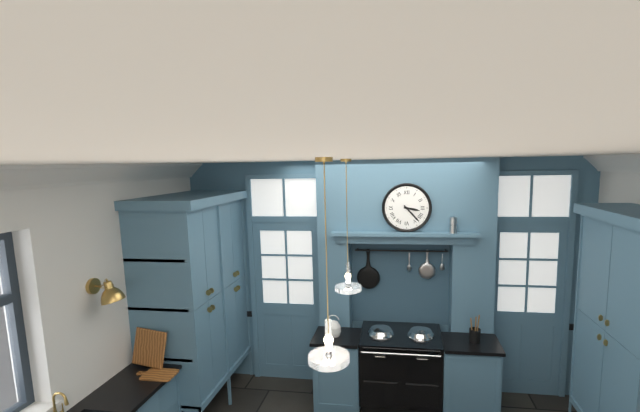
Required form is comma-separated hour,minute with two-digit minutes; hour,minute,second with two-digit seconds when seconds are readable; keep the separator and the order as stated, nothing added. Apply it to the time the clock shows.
3,23
